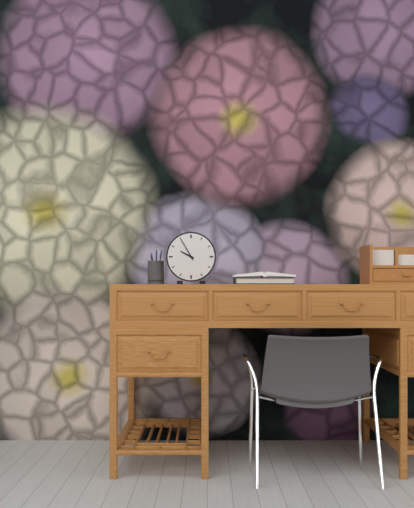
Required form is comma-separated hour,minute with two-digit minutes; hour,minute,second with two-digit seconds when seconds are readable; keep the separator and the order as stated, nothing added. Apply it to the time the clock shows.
9,55
